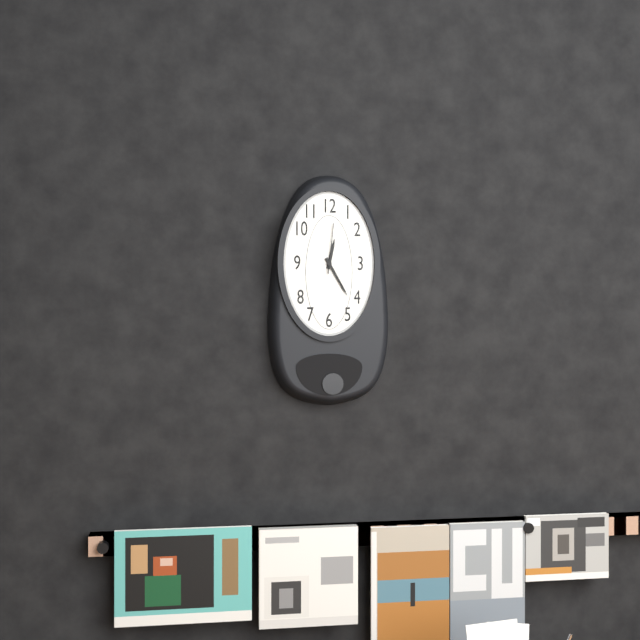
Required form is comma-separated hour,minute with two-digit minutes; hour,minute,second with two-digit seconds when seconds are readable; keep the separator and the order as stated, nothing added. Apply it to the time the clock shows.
12,25,01
